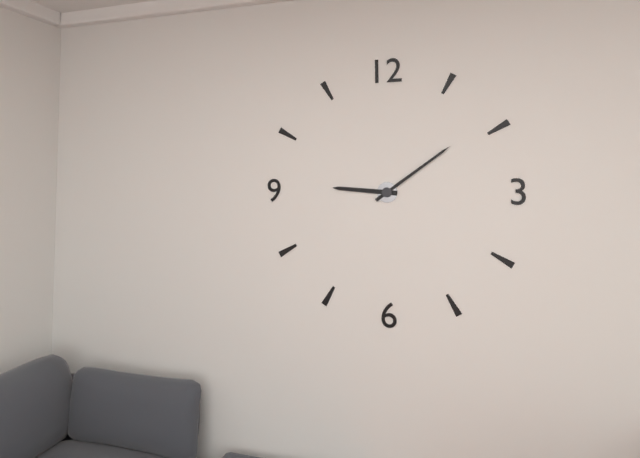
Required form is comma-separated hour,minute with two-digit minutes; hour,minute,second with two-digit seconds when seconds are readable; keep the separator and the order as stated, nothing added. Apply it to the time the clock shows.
9,09
